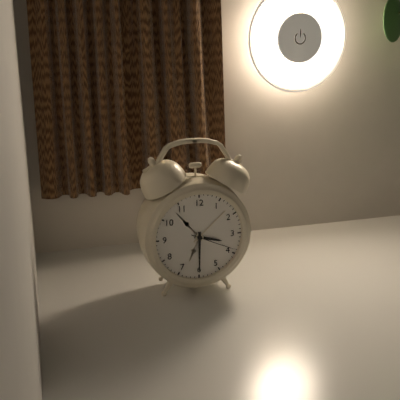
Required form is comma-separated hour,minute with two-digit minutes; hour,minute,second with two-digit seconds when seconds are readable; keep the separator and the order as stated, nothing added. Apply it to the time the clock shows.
3,30
